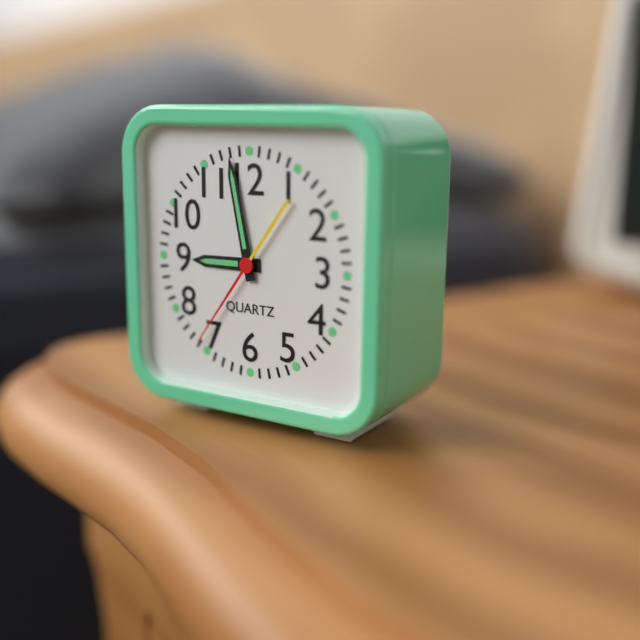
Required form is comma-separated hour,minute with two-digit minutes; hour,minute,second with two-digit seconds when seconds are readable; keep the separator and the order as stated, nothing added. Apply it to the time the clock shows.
8,58,36
